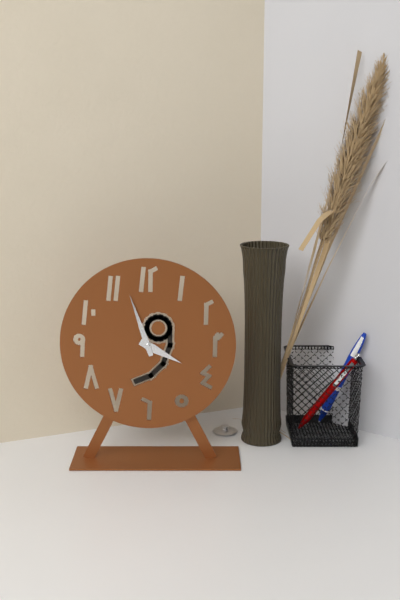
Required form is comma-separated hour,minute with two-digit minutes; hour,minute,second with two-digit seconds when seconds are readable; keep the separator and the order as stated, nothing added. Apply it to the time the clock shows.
3,57
